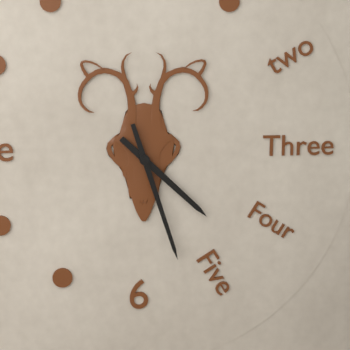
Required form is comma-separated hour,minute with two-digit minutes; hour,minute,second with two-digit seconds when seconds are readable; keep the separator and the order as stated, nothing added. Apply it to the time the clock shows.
4,27
